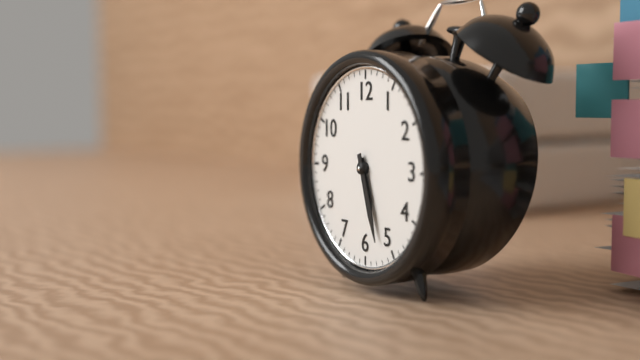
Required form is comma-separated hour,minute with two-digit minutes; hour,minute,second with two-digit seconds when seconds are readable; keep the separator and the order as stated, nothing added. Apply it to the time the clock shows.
5,27
